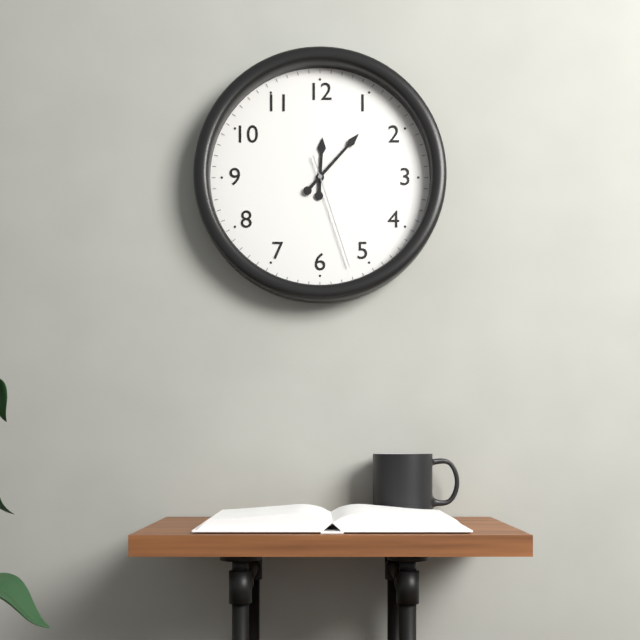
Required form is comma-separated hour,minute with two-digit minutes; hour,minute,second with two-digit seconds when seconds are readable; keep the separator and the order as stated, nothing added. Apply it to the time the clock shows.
12,07,27
